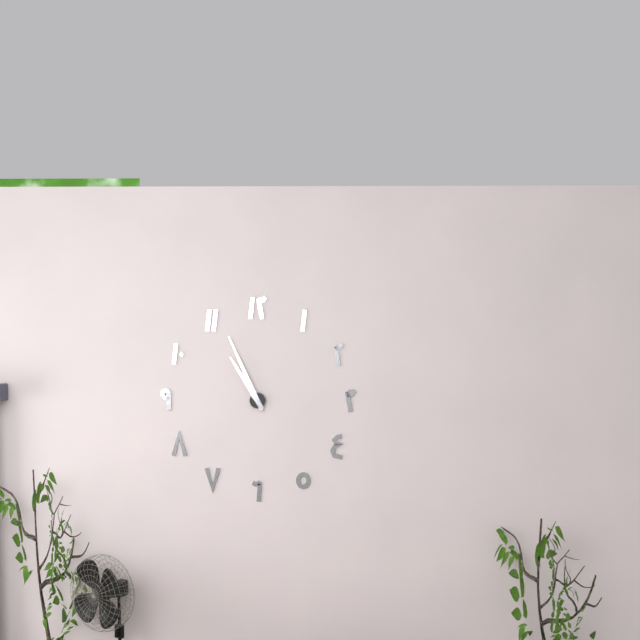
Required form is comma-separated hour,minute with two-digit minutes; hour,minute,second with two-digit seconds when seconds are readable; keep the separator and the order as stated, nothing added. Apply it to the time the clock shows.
10,56
